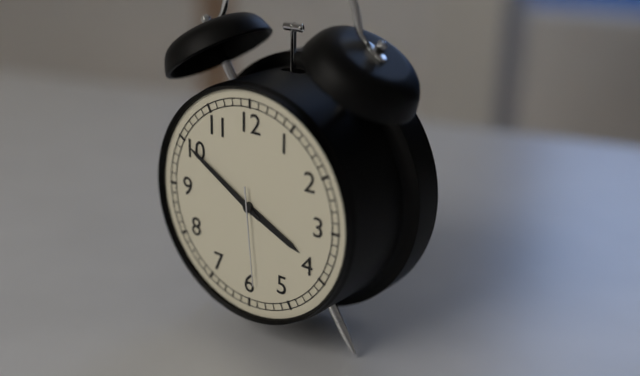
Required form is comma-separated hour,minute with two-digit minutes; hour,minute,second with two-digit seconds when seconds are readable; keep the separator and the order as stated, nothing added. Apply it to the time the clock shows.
3,50,29
